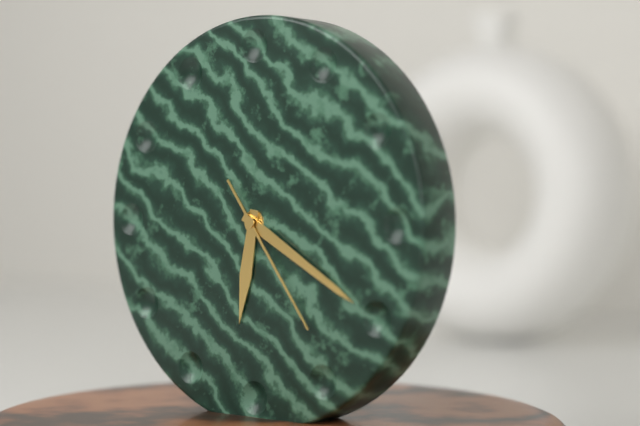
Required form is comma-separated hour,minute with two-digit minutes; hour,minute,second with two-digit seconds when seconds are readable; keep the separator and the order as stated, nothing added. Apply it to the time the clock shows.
6,20,24
